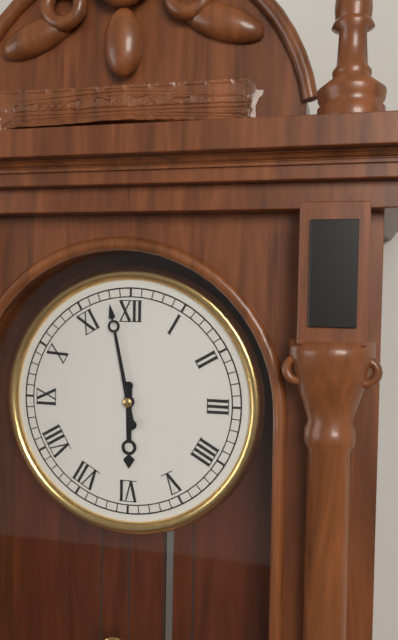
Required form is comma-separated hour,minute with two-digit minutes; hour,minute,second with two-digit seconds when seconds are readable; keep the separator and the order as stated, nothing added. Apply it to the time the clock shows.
5,58
